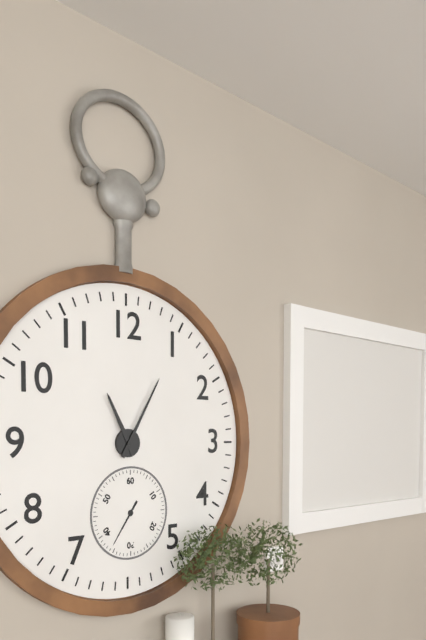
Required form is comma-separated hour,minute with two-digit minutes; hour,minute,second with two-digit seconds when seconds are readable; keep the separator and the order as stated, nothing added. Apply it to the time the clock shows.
11,05
